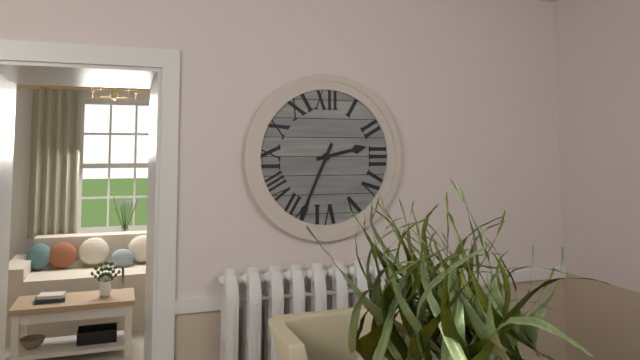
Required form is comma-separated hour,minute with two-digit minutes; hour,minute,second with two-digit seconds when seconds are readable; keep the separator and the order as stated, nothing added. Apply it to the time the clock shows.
2,34
